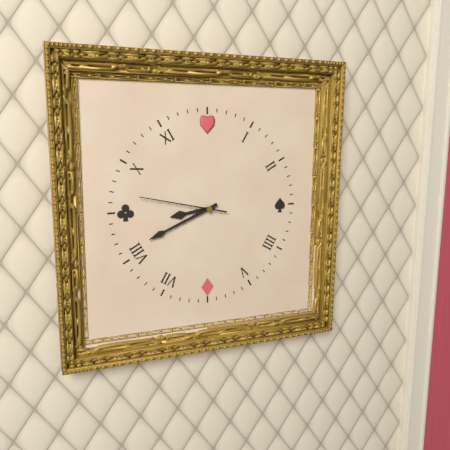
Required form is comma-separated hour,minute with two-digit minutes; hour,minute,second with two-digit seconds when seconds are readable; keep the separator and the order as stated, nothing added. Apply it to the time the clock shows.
8,41,47
